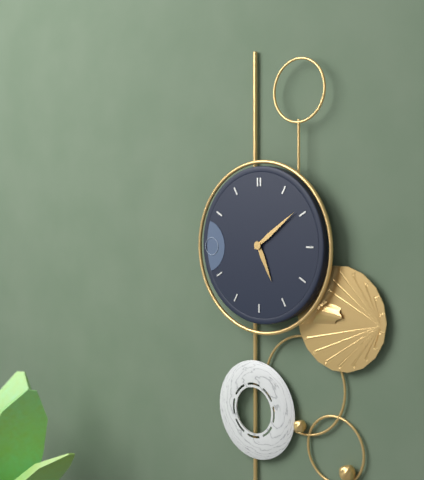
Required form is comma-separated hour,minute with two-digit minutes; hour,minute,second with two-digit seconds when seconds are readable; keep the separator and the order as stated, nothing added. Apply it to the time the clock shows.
5,09
